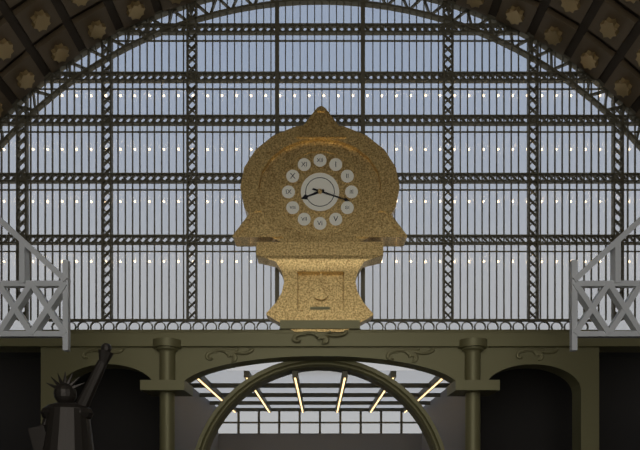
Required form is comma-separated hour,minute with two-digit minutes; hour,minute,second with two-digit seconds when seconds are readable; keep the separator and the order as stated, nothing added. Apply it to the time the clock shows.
8,18
